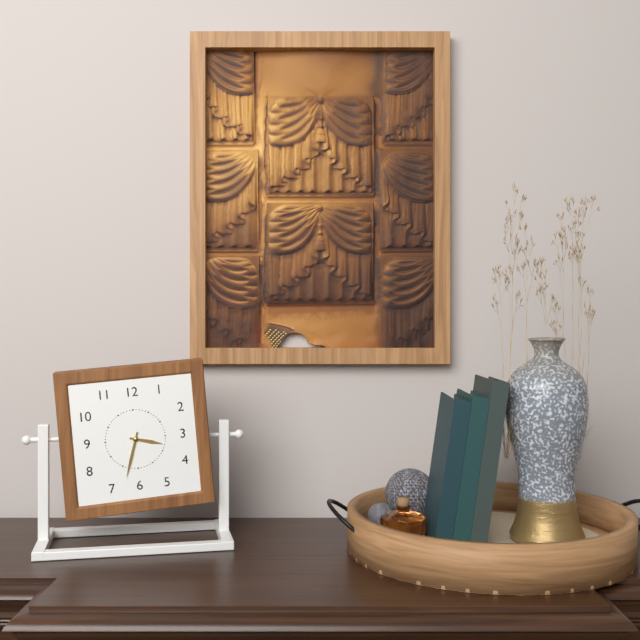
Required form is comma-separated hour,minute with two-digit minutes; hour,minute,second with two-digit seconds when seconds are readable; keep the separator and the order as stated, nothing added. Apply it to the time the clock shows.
3,33
